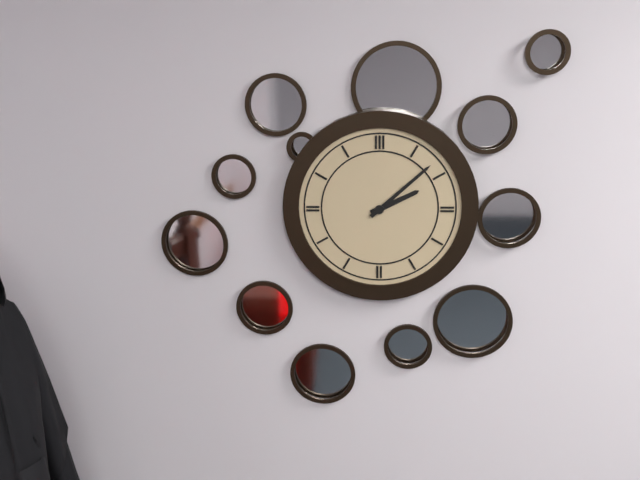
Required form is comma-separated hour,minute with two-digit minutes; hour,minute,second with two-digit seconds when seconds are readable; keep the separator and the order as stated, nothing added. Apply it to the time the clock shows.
2,08
